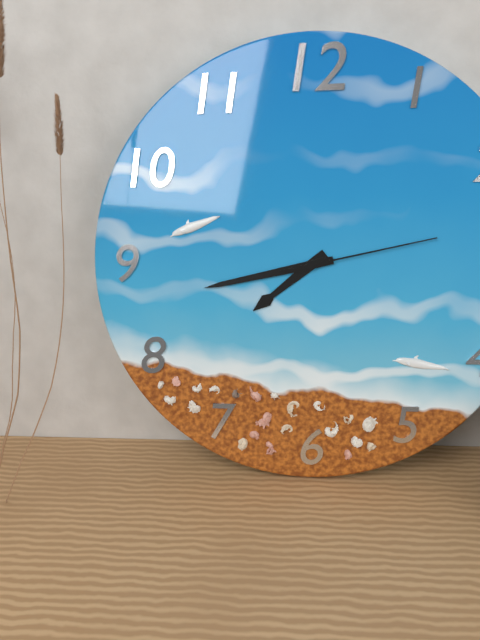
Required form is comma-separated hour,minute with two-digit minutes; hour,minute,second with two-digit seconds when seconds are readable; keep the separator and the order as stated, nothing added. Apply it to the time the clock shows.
7,43,13
